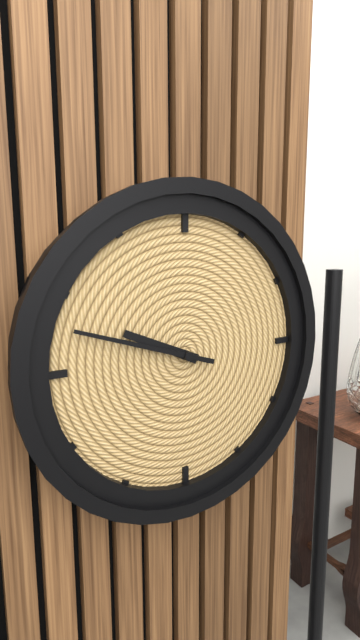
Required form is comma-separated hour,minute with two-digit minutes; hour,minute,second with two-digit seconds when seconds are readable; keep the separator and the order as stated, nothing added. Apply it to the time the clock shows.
9,48
